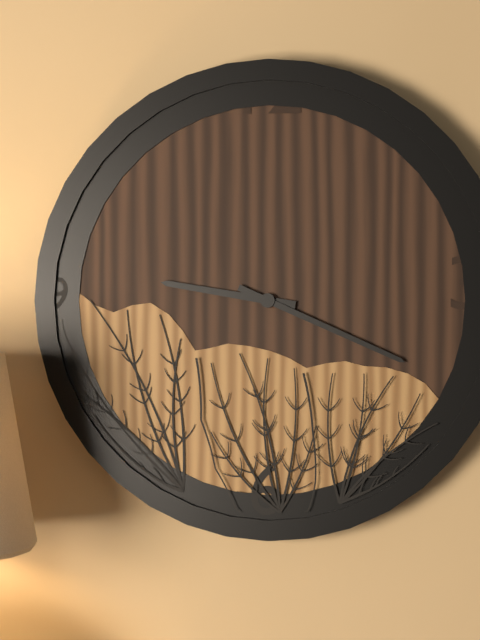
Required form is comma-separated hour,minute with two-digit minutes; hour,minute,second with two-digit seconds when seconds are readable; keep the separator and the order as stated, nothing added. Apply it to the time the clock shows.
9,19
